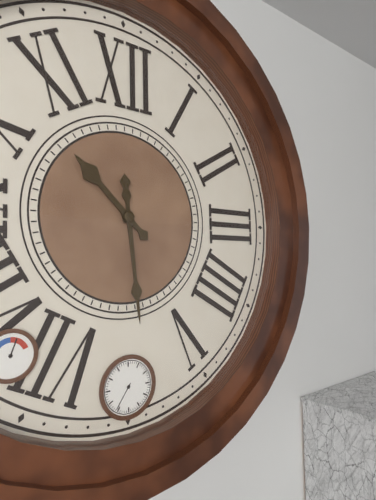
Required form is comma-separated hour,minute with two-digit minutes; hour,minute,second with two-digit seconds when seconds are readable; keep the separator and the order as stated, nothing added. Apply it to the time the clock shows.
10,29
